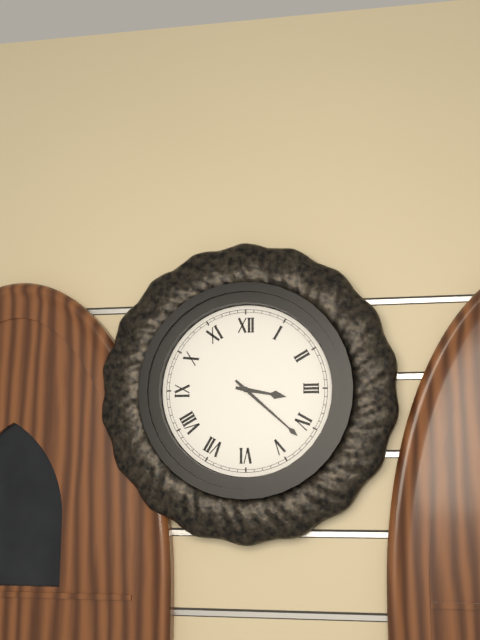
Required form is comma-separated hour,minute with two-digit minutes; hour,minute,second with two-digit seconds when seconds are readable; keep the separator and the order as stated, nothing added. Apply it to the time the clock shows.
3,22
